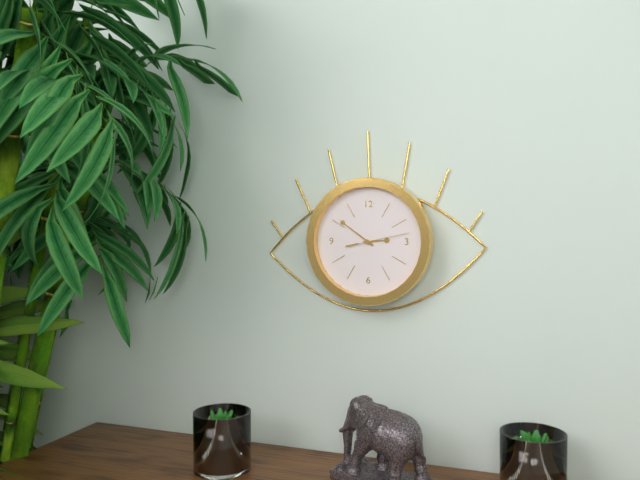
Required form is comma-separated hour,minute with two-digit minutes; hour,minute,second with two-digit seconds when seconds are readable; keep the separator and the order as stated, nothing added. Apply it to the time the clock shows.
2,51,13
